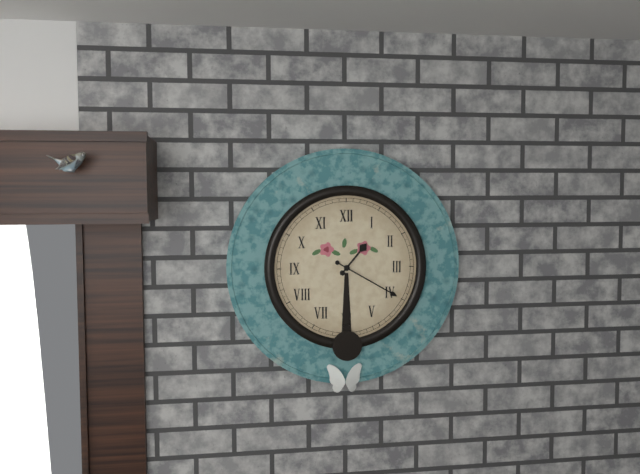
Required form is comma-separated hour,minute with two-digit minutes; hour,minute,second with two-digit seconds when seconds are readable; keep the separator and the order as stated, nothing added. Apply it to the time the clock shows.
1,20
